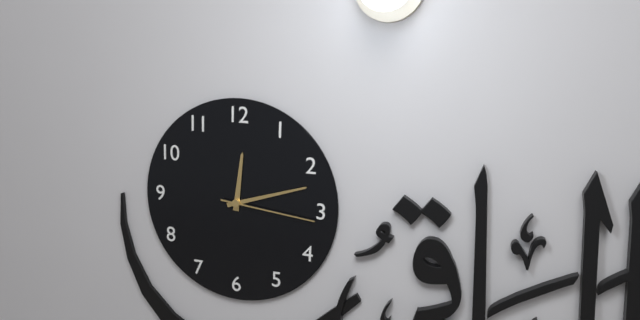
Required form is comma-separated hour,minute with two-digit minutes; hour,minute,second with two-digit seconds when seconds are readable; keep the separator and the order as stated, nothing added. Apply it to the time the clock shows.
12,12,16
